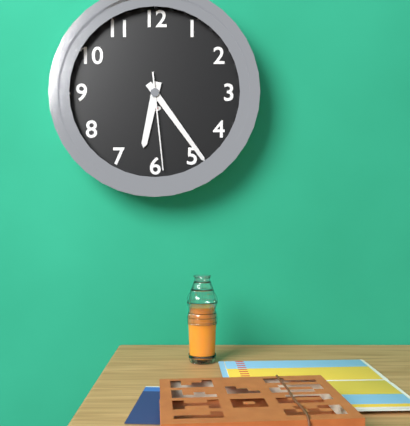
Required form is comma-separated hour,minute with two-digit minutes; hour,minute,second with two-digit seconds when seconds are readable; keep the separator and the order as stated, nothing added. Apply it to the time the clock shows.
6,24,29
